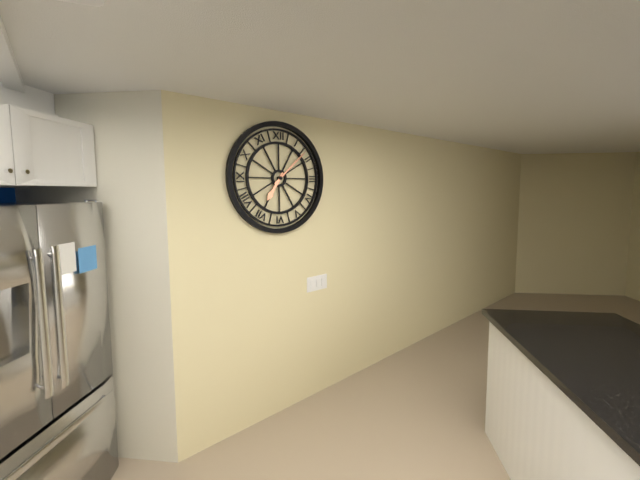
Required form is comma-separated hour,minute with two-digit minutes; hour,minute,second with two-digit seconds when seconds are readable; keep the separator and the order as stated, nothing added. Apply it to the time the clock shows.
7,08
